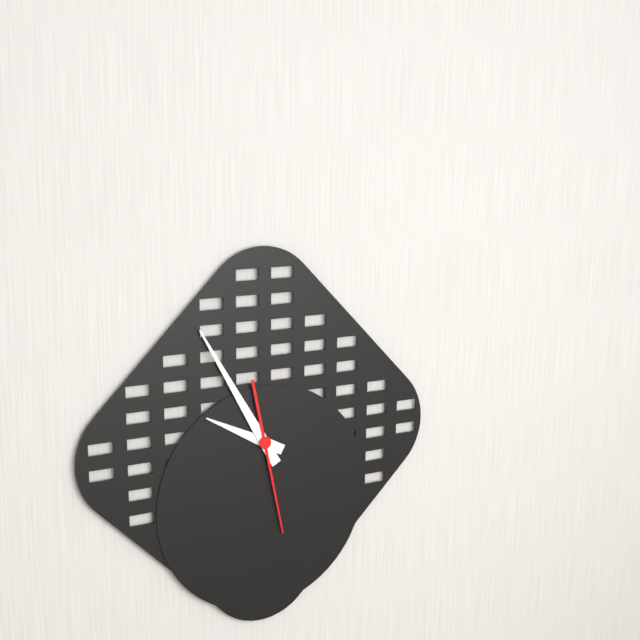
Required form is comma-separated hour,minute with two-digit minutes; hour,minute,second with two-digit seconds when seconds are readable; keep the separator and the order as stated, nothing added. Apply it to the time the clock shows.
9,55,28
